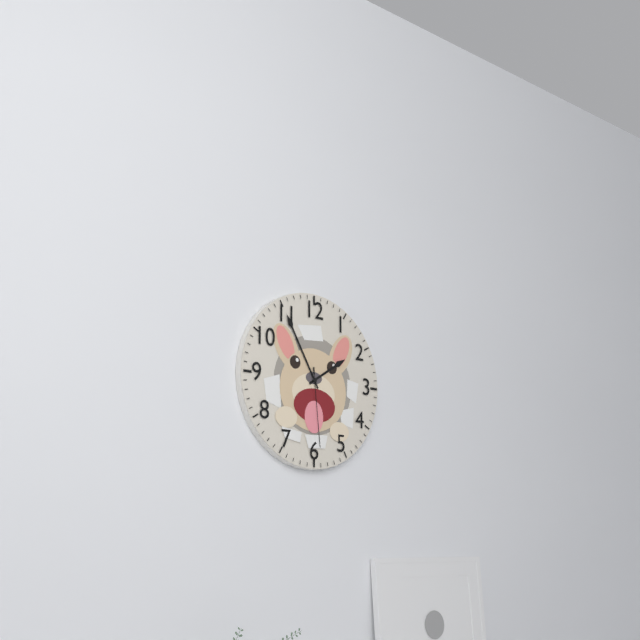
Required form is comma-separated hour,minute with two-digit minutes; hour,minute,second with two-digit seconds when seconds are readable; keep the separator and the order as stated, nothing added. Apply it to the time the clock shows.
1,55,29
